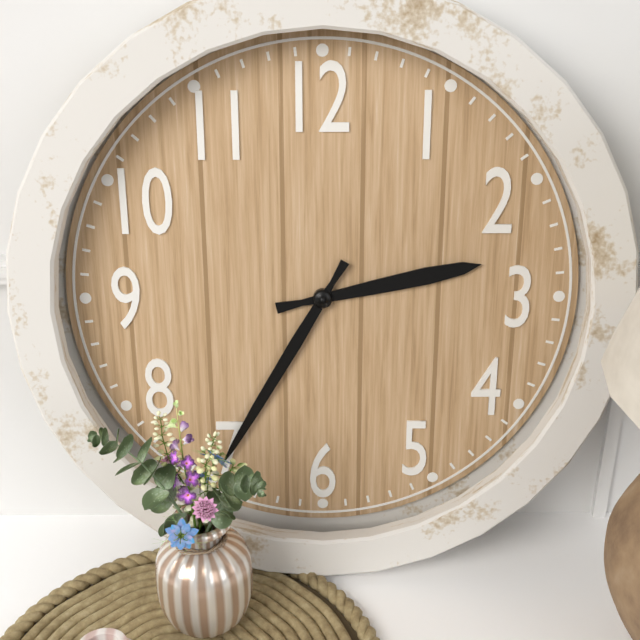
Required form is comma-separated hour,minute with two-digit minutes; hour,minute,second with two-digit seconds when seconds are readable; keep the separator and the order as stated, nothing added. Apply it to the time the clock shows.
2,35
